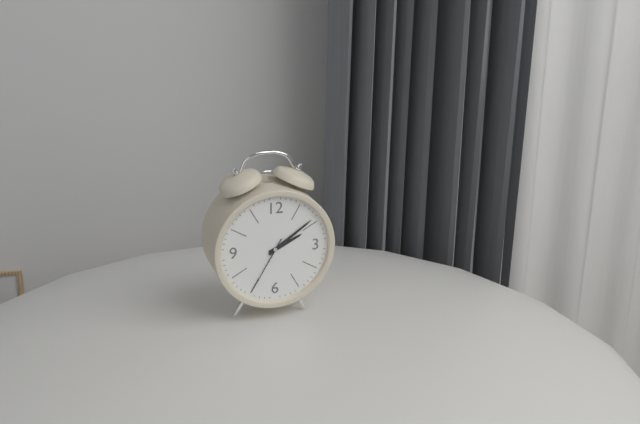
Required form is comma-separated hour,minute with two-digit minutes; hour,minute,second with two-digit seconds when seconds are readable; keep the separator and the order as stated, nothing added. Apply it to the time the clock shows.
2,09,35
